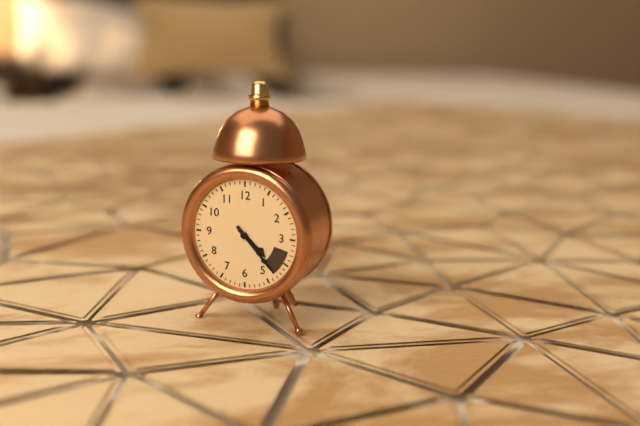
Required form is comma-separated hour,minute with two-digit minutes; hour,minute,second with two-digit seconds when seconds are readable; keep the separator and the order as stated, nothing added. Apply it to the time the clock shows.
4,23
